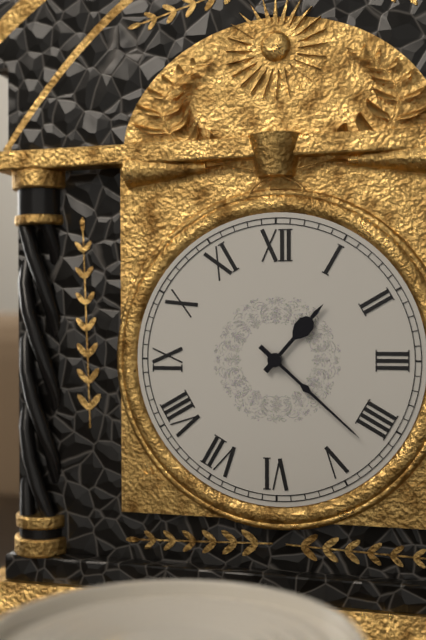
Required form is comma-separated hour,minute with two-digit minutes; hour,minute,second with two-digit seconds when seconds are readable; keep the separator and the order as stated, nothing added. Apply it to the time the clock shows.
1,22
